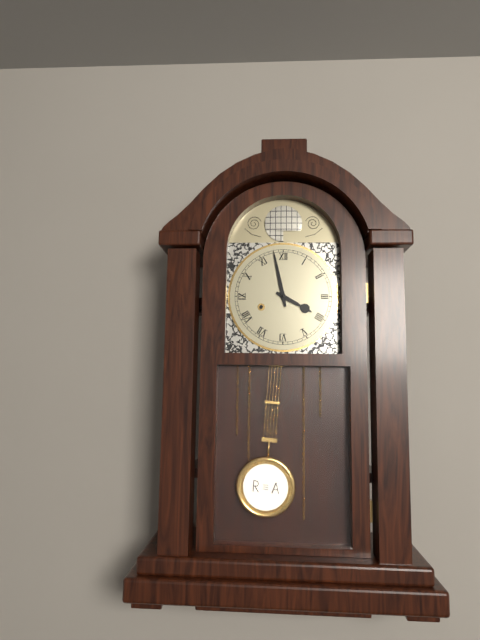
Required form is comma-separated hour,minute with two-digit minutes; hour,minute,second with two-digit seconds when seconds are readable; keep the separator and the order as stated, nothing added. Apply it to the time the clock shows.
3,58
